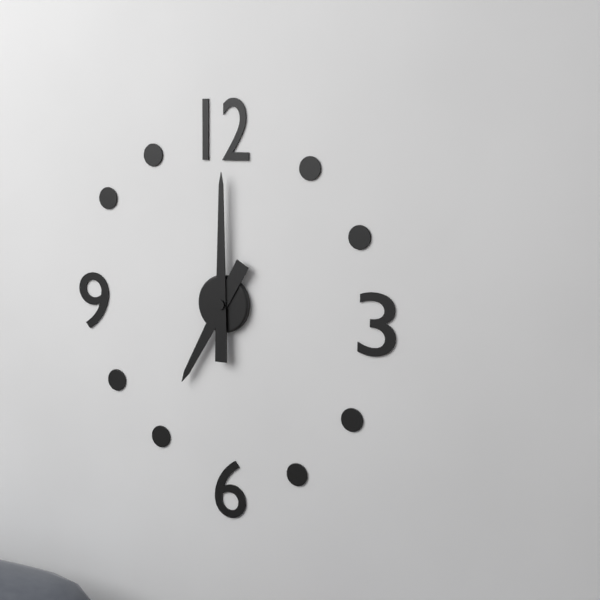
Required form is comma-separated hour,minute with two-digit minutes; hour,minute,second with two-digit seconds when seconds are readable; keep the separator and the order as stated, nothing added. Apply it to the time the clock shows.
7,00
